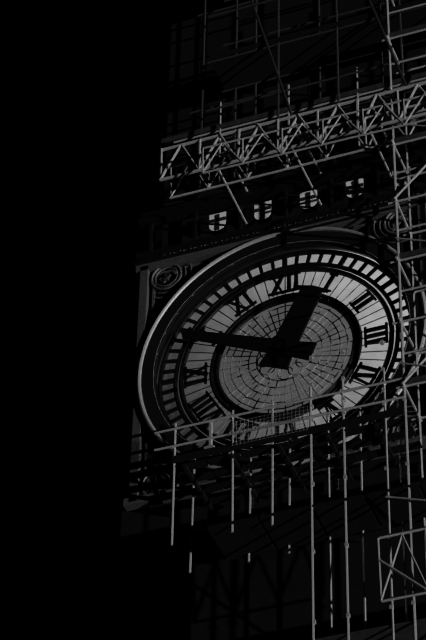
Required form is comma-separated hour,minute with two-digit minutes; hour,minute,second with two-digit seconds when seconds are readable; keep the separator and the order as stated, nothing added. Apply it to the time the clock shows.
12,49
